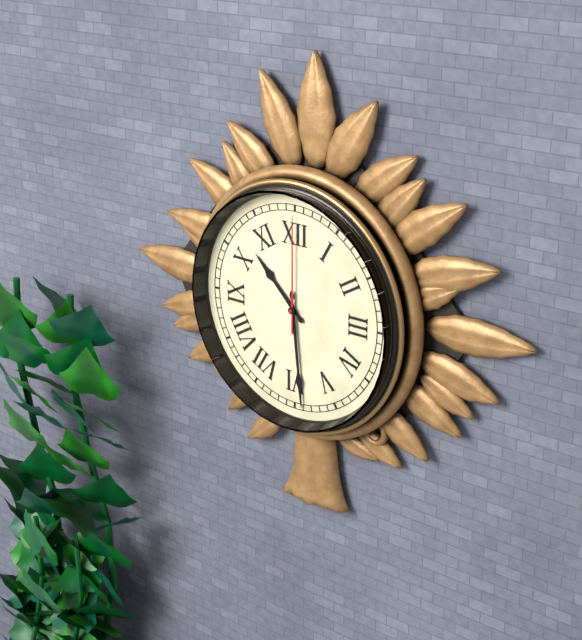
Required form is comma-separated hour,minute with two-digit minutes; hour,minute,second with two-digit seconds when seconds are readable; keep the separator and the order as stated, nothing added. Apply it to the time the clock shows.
10,29,00
